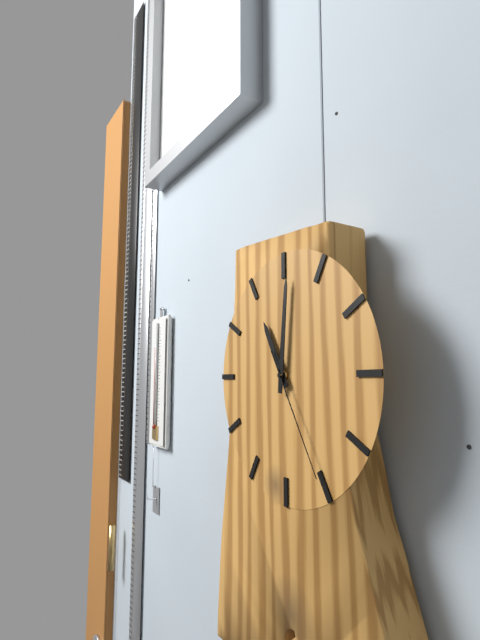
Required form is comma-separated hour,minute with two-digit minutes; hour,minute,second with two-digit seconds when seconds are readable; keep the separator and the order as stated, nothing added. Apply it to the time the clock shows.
11,01,25
